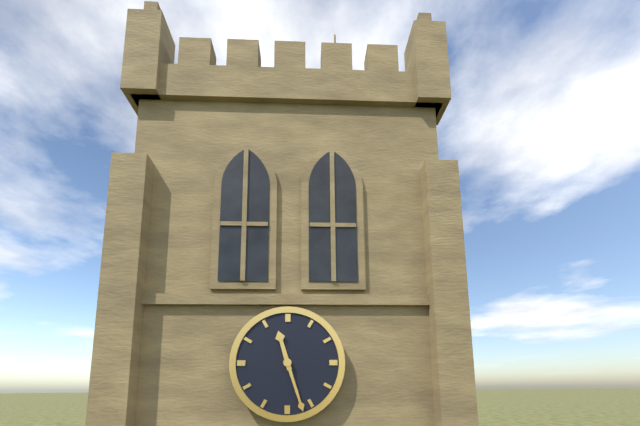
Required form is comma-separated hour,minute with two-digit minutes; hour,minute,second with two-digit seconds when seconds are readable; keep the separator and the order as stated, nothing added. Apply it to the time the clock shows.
11,27
